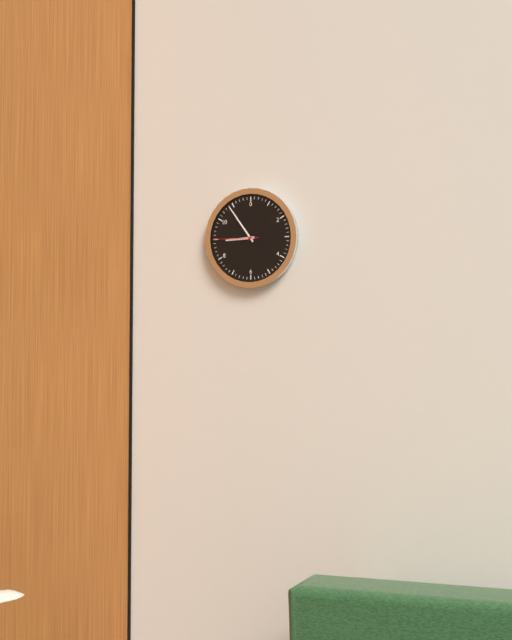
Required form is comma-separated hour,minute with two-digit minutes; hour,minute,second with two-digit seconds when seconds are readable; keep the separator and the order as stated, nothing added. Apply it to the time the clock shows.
8,54
